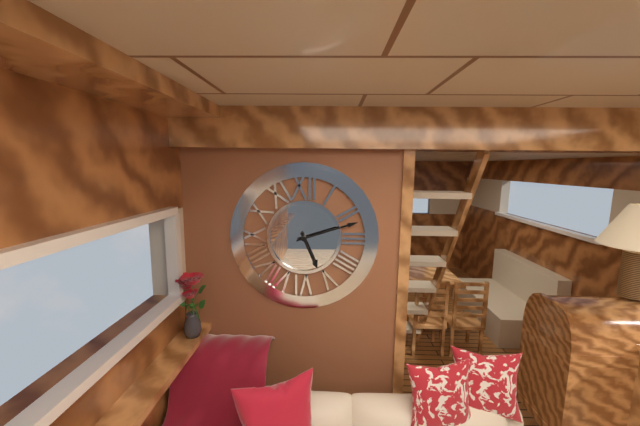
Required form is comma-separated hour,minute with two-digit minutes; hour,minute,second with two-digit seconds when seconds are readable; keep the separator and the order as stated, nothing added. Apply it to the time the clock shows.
5,12
